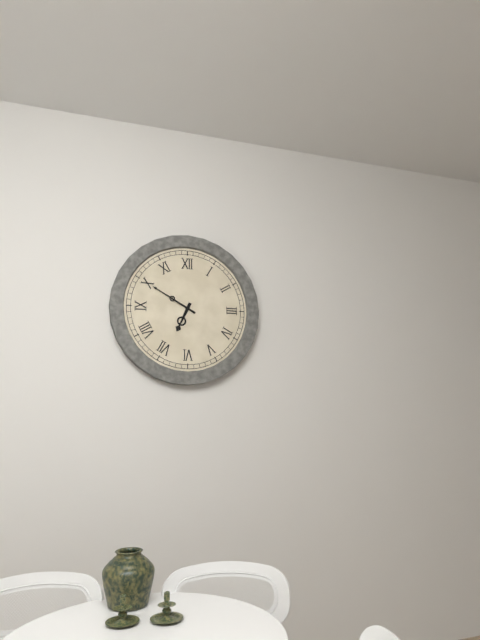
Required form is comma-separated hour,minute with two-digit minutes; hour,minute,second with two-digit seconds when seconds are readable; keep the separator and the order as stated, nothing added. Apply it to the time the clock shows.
6,50
